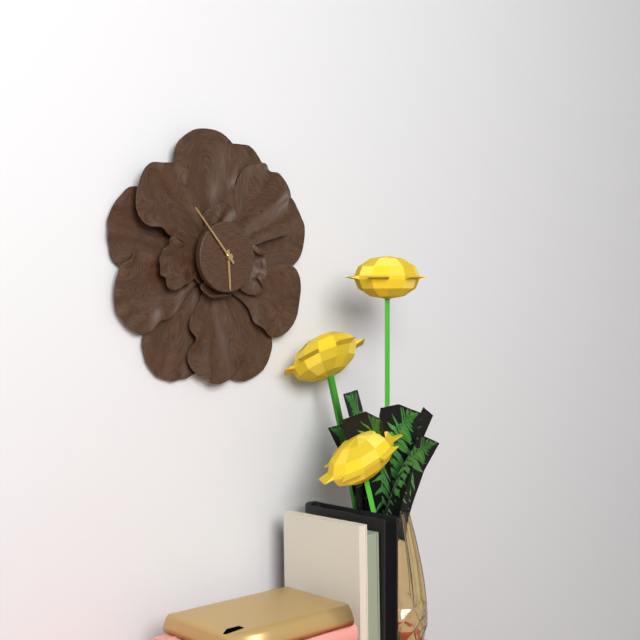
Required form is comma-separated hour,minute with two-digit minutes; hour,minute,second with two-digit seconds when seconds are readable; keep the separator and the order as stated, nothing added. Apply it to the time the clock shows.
5,53
